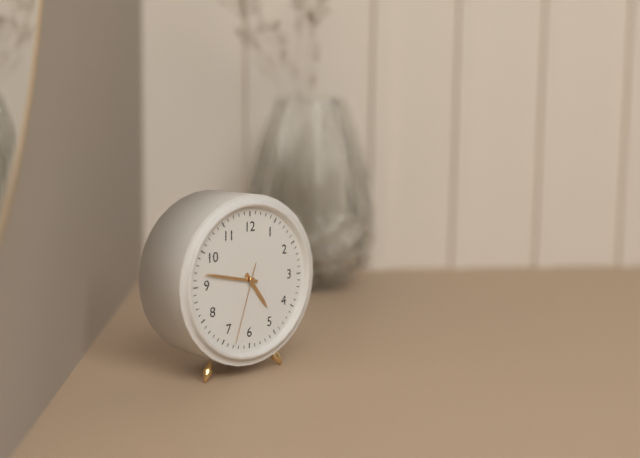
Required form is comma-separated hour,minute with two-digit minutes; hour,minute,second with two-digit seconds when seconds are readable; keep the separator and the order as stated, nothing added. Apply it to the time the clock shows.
4,47,33
